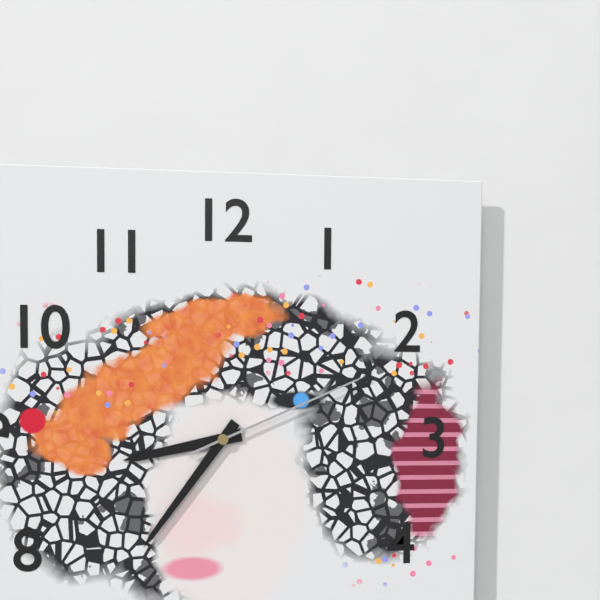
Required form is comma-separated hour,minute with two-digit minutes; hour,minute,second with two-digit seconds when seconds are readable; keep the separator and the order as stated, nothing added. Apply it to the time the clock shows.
8,36,11
